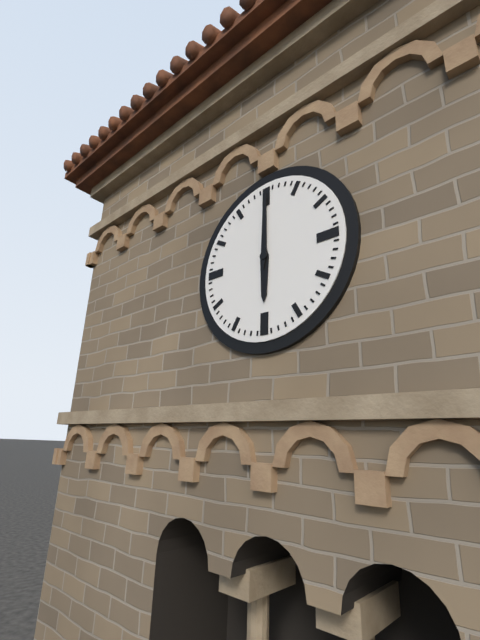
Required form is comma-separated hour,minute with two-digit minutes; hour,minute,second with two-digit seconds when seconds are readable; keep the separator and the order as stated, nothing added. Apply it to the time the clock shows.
6,00
